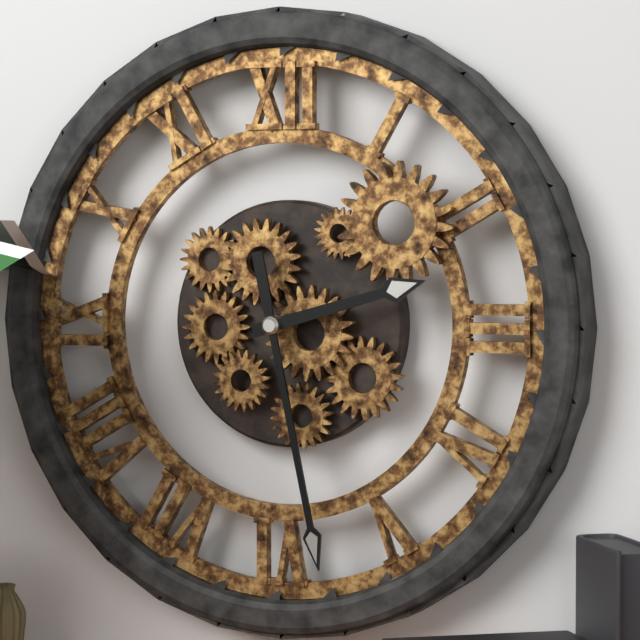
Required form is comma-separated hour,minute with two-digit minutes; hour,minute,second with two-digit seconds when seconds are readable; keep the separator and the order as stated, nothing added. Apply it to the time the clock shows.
2,28
